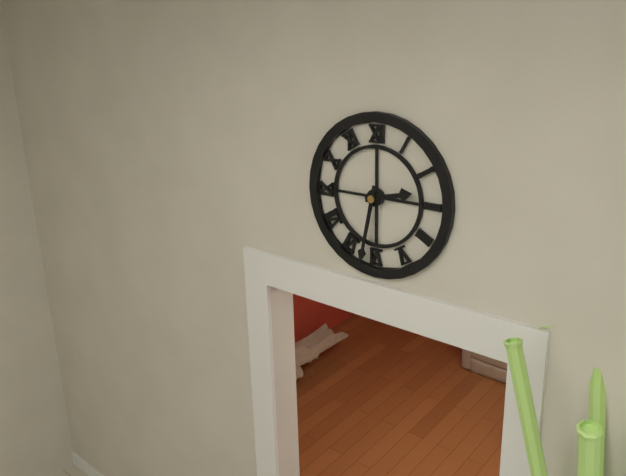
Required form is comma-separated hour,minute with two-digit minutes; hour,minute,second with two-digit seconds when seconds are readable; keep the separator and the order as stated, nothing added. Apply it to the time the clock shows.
2,32
